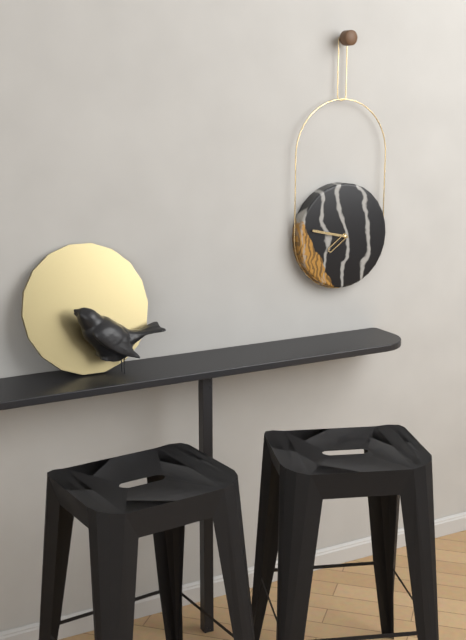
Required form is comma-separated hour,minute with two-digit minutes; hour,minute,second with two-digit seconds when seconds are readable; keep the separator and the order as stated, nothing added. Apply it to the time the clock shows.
7,47
